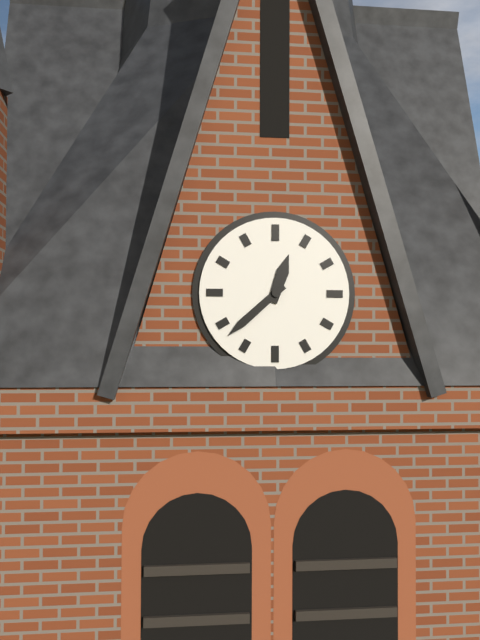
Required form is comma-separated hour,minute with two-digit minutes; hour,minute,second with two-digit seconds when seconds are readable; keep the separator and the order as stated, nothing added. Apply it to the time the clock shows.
12,38
